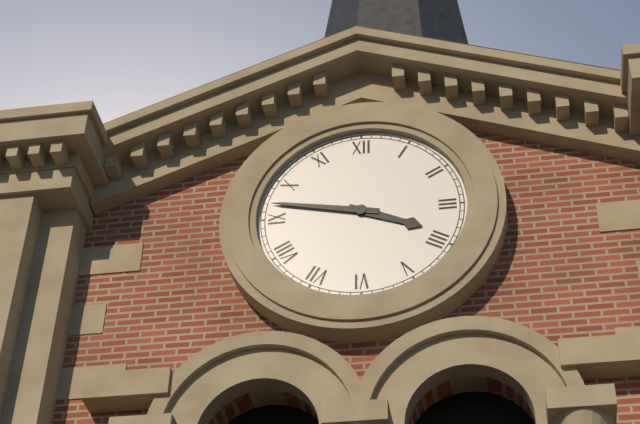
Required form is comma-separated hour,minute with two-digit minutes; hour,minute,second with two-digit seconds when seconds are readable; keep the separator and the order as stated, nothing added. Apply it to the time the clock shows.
3,47
